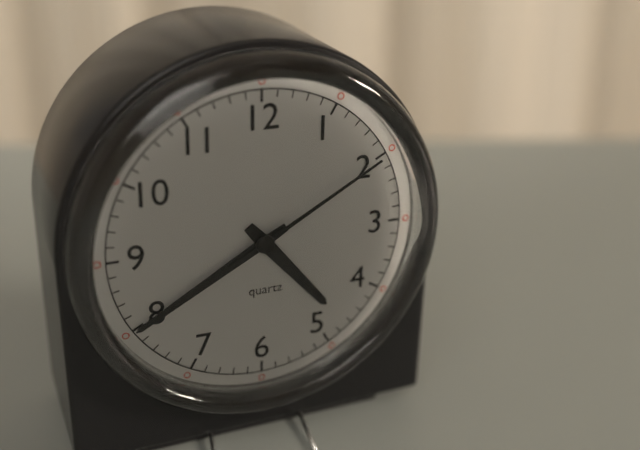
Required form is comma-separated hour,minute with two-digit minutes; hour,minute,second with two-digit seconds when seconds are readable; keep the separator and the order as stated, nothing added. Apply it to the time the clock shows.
4,40,10
